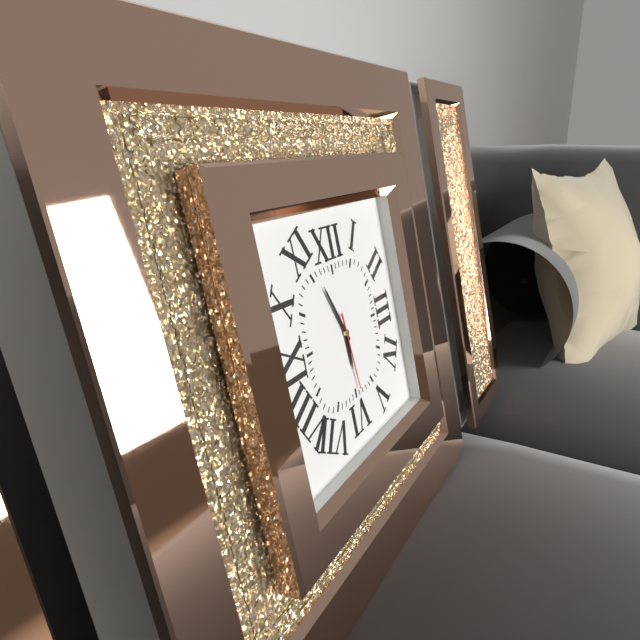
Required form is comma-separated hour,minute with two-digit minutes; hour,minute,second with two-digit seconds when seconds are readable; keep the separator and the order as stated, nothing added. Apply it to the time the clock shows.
5,56,29
